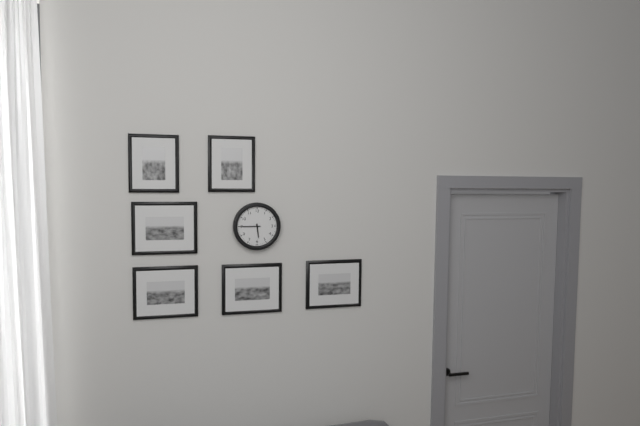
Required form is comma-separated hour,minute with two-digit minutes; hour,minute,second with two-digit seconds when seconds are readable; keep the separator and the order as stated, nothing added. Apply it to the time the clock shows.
5,45
